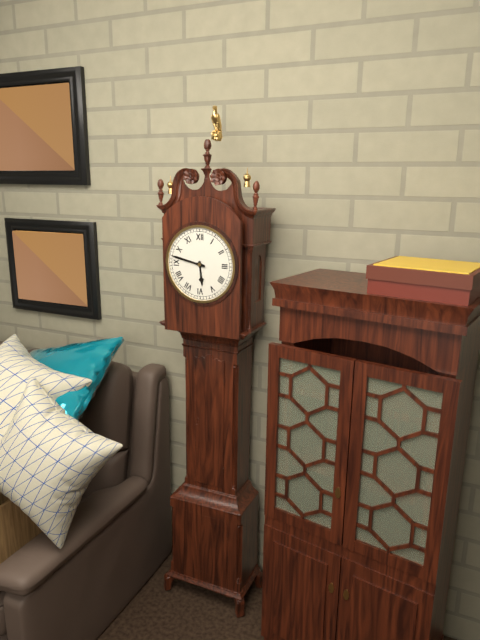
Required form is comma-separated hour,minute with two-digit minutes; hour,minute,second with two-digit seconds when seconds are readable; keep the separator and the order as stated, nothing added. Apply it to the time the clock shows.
5,47
